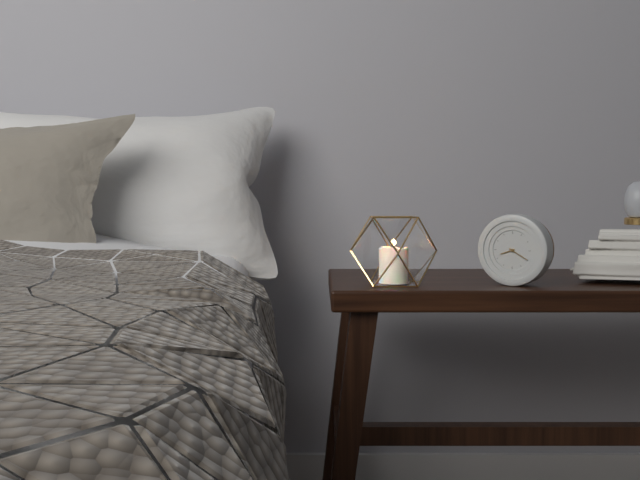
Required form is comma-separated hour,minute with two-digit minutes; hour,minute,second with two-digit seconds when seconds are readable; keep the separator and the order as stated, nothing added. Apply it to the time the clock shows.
8,20
